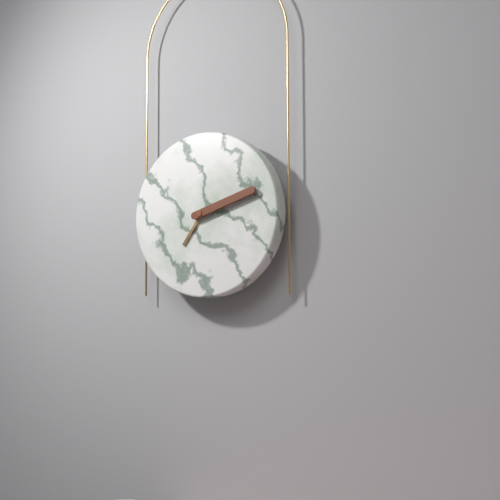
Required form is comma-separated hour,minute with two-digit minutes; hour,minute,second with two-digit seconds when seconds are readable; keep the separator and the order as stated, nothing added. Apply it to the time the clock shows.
7,12
